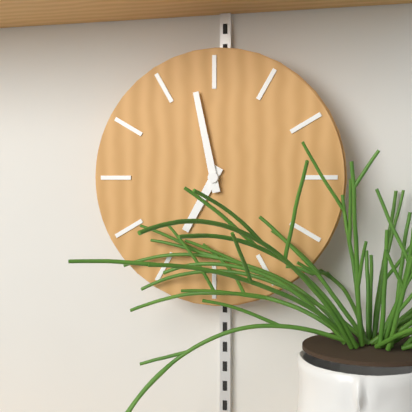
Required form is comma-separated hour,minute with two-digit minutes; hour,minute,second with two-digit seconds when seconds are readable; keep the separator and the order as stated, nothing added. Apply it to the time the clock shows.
6,58
